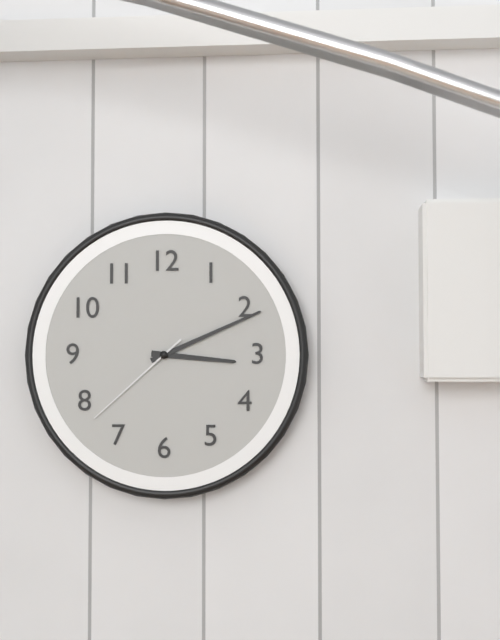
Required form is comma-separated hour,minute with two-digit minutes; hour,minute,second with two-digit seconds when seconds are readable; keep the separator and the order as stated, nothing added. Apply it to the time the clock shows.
3,11,38
